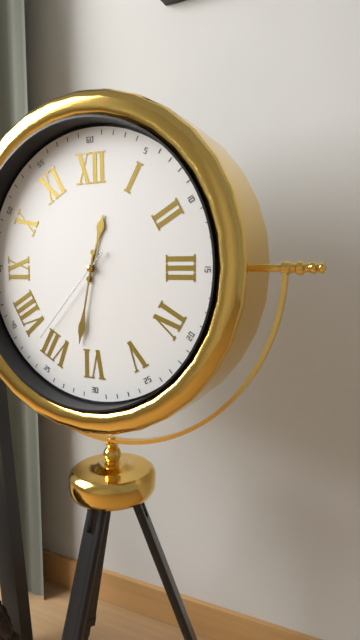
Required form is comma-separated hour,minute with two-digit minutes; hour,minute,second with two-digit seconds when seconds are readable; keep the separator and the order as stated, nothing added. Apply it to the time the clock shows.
12,32,37
